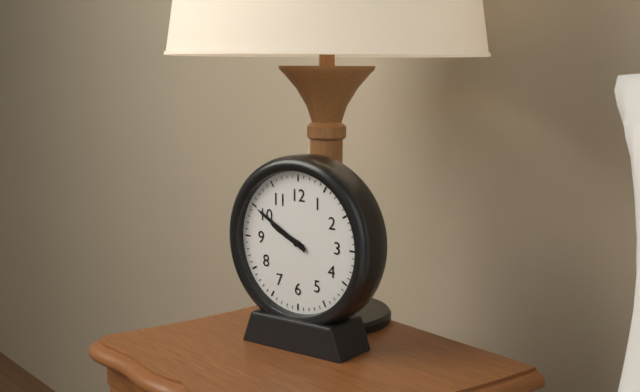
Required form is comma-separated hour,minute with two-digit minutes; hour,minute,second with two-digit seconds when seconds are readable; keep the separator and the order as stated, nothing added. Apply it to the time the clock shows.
9,50
